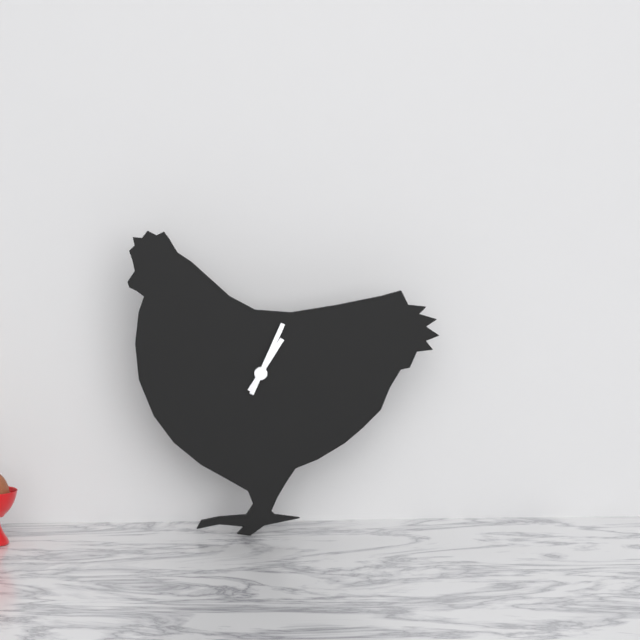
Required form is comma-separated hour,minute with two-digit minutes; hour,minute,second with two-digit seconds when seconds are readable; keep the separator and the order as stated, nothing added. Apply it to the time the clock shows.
1,04
